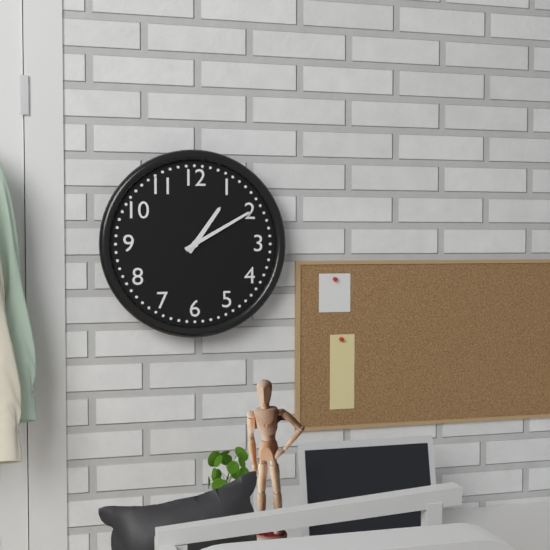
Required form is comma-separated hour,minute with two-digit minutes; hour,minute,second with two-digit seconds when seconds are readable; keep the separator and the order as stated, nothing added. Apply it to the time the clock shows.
1,10
